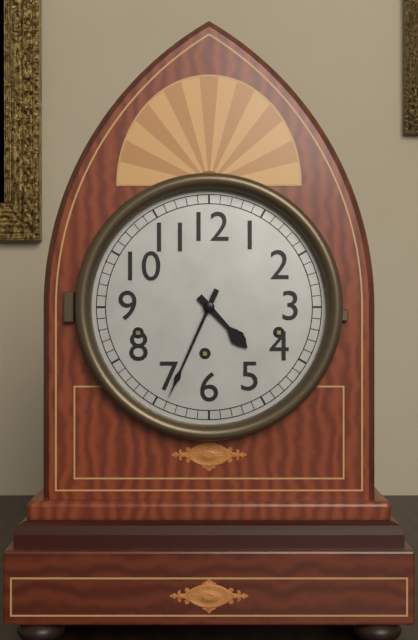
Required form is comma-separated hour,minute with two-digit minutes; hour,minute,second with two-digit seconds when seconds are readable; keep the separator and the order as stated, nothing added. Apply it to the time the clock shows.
4,34
